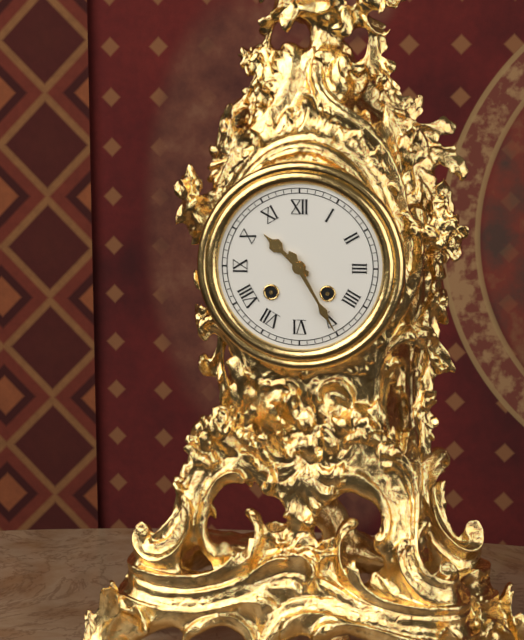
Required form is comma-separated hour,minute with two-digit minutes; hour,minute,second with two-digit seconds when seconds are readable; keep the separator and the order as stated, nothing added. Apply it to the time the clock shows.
10,25
